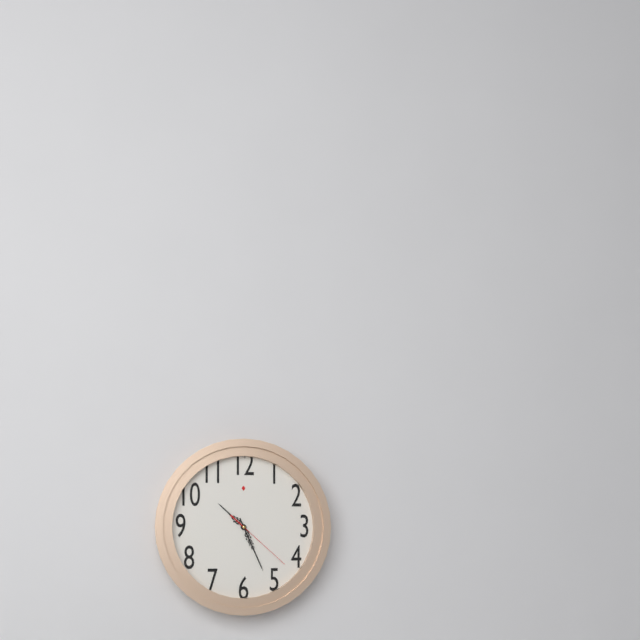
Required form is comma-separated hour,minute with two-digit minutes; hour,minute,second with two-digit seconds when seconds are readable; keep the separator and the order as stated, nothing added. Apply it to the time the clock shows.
10,26,22
